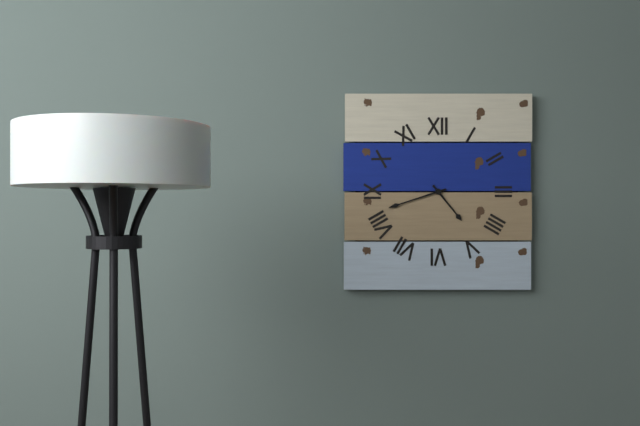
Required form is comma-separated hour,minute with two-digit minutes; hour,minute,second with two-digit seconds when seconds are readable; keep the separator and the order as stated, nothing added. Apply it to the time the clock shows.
4,42
